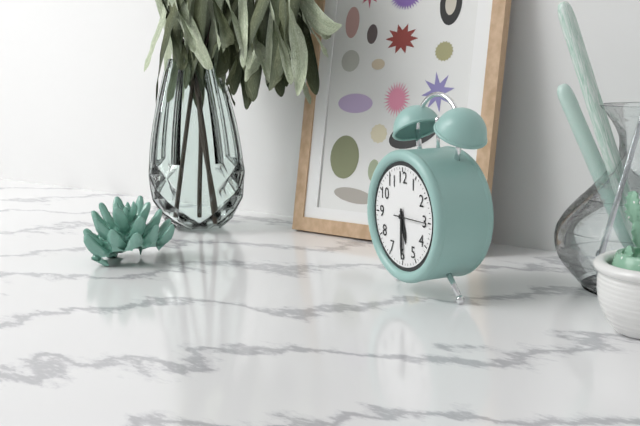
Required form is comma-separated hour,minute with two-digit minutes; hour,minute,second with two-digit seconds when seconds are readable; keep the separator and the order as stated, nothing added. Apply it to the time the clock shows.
5,30
